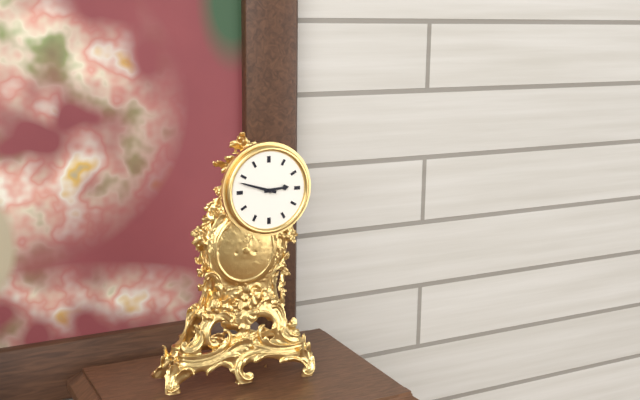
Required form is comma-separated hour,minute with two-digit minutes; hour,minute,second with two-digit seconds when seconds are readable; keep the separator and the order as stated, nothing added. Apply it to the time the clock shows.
2,48
